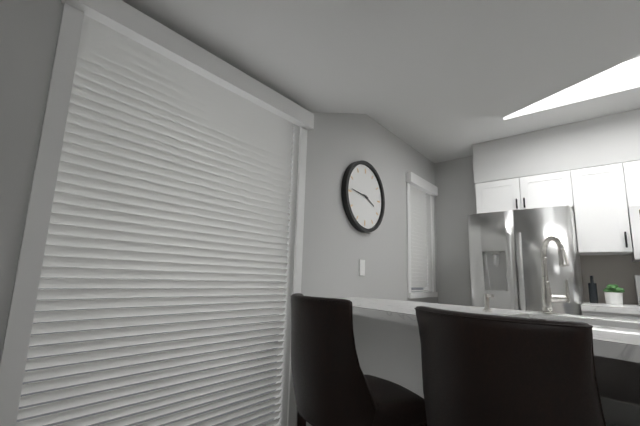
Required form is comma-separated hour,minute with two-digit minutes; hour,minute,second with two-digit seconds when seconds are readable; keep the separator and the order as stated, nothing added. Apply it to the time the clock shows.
3,46
